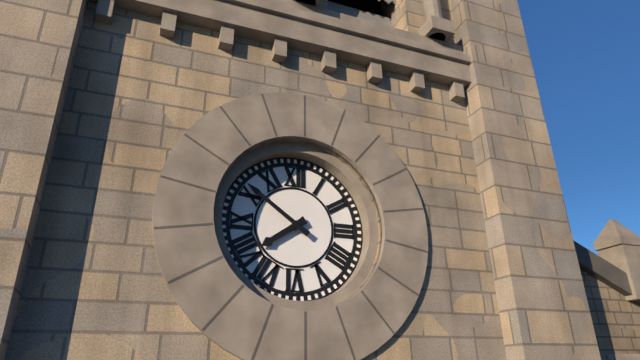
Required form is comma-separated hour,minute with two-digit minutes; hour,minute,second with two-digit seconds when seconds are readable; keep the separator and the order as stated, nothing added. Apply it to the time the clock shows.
7,51
